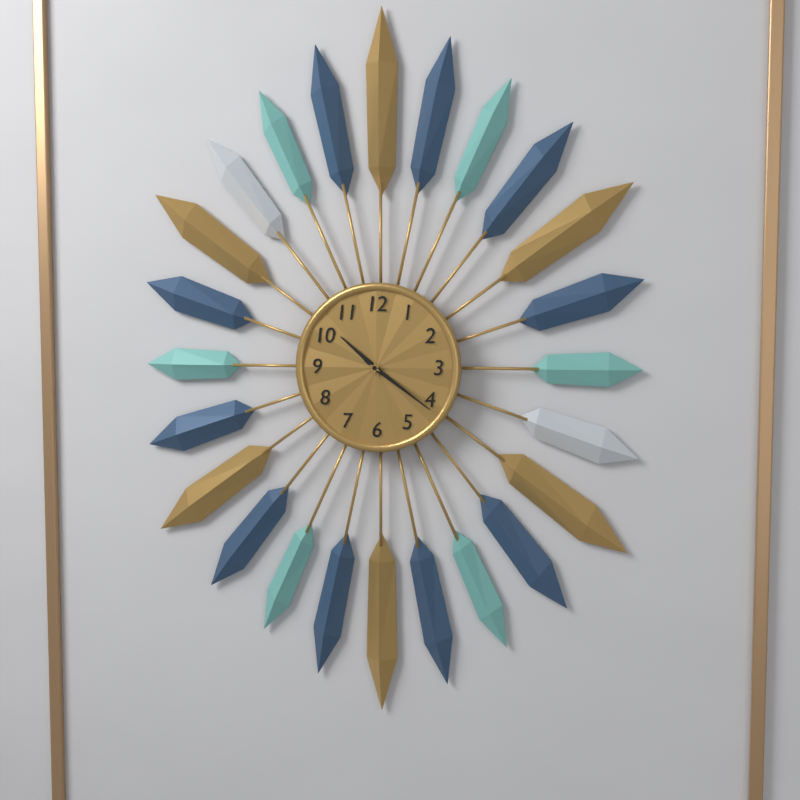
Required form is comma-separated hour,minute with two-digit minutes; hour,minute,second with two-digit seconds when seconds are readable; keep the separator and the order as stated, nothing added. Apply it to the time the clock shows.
10,21
